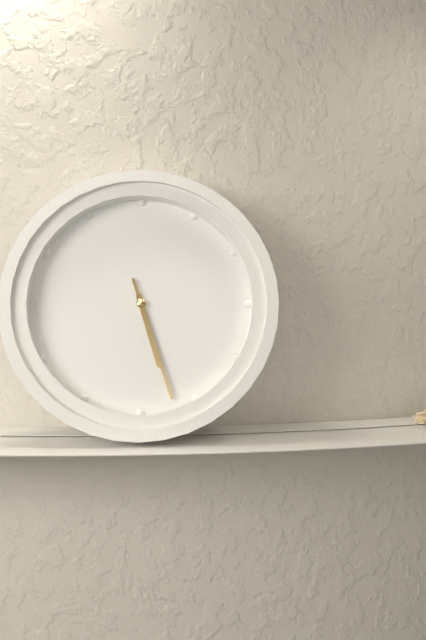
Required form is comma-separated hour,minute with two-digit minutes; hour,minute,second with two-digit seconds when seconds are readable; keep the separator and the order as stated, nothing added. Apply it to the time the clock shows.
5,27
